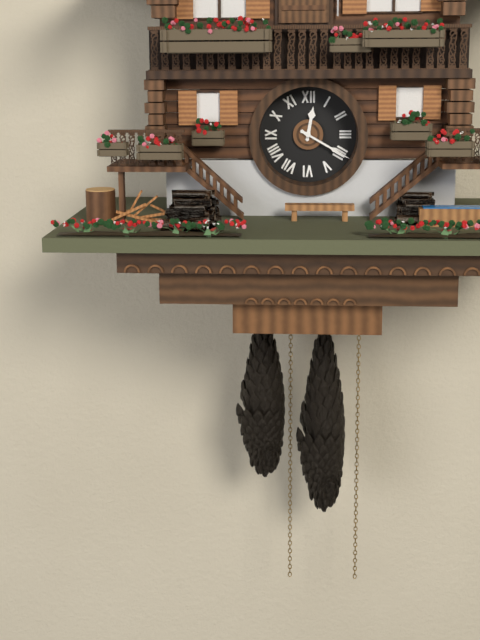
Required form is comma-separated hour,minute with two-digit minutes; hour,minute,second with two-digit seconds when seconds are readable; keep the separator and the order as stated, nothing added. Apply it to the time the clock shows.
12,20
